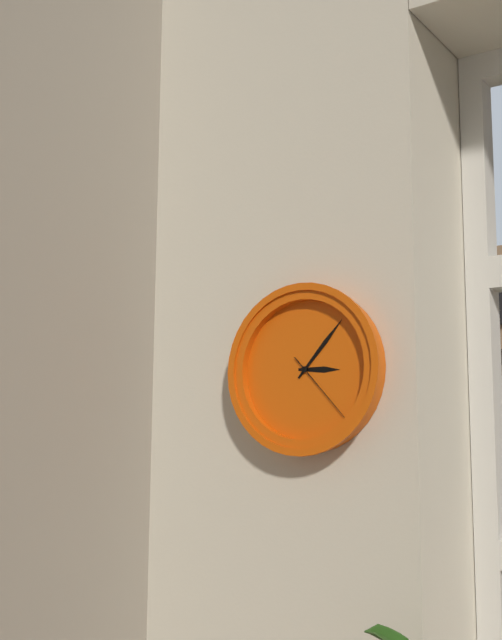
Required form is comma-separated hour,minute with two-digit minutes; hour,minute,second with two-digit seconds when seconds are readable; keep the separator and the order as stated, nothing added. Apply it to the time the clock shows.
3,07,23
